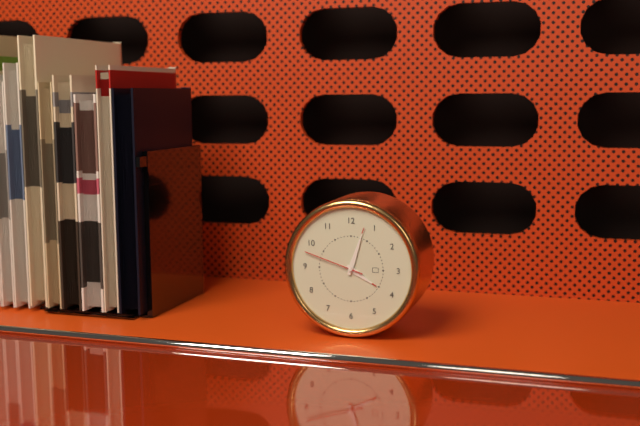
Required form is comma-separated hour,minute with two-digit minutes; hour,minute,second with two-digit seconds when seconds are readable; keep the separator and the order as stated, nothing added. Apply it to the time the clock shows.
4,03,48
